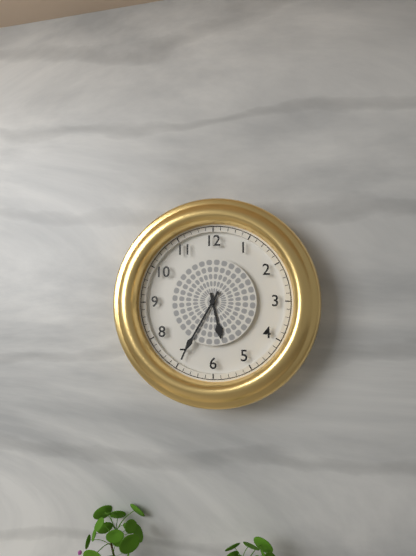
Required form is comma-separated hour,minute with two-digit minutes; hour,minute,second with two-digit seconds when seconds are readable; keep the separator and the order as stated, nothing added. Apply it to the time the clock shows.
5,35
